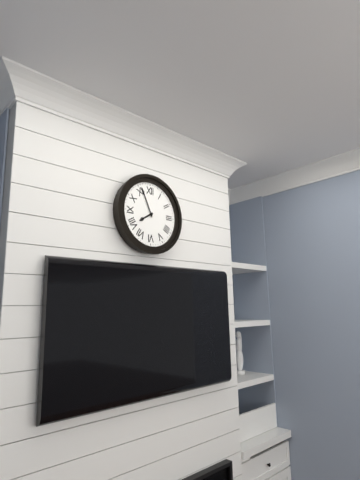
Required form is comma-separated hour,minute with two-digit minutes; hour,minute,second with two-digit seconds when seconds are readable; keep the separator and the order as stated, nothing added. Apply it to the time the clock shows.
7,56
